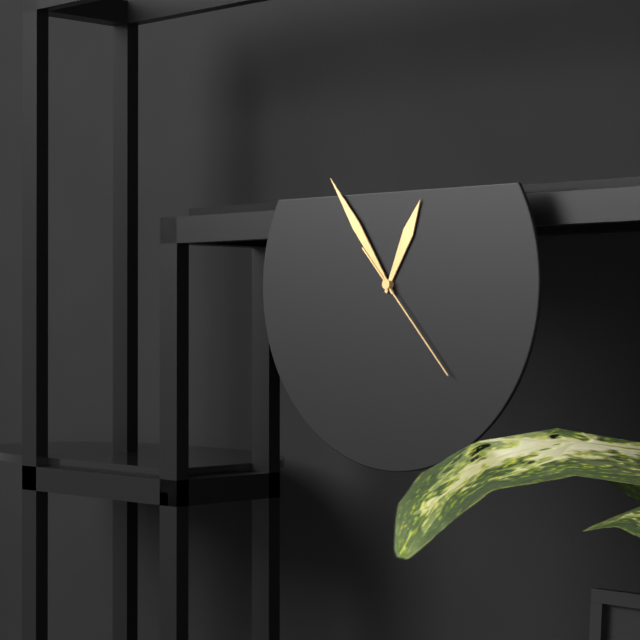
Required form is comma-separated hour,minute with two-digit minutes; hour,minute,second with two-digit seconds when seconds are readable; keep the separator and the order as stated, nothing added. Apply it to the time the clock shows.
12,54,23
